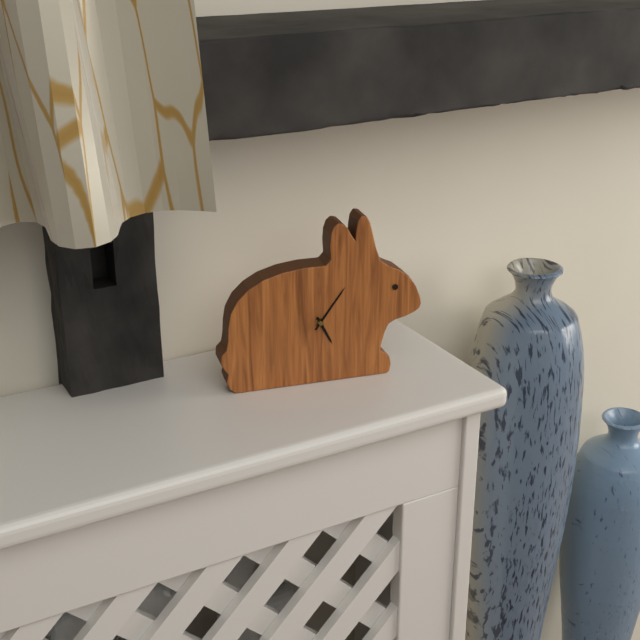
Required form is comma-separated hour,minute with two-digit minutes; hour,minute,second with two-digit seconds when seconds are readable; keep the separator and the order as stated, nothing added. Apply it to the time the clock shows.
5,06
